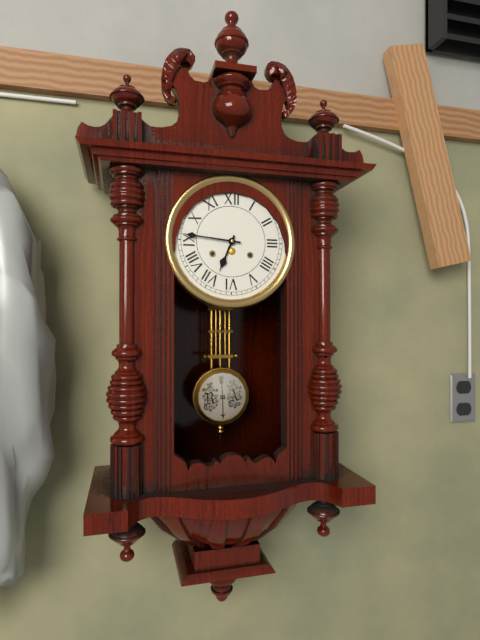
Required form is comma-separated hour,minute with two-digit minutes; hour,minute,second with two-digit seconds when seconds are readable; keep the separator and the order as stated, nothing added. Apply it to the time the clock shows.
6,46
